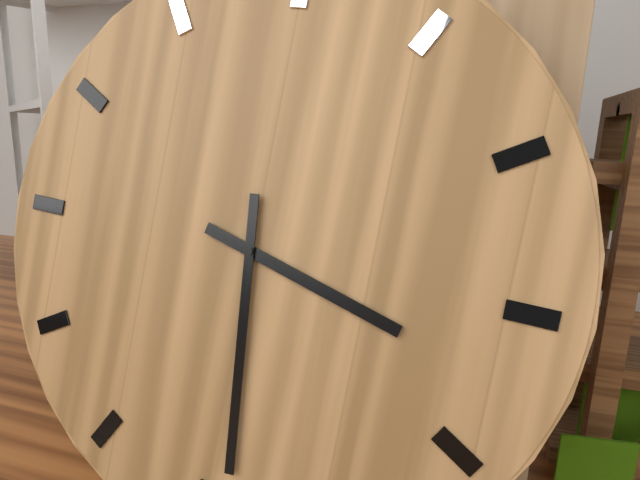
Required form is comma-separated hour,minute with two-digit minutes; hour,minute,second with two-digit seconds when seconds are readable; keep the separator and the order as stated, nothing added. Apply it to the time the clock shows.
3,29
